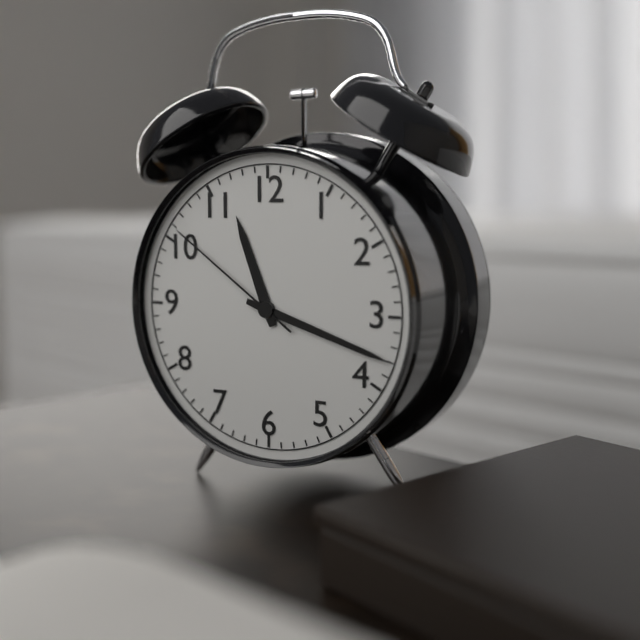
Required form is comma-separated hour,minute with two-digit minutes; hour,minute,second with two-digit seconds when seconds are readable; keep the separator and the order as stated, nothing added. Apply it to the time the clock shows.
11,18,51
